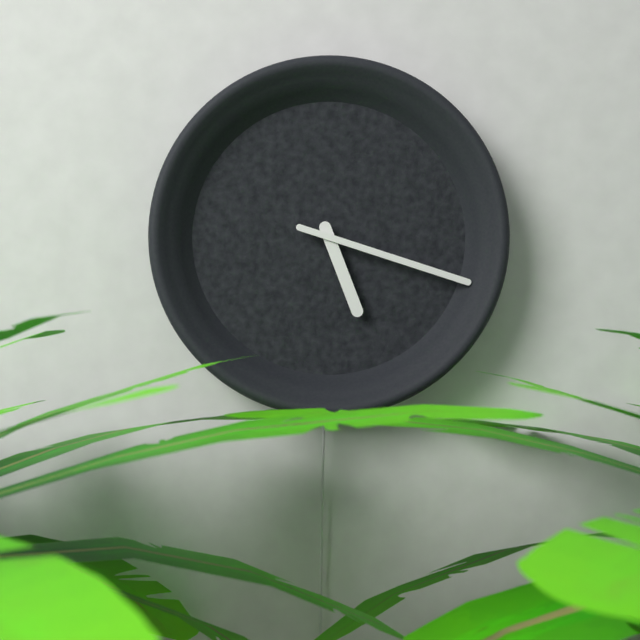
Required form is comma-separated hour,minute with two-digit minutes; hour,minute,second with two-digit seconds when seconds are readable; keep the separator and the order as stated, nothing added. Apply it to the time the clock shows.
5,18
